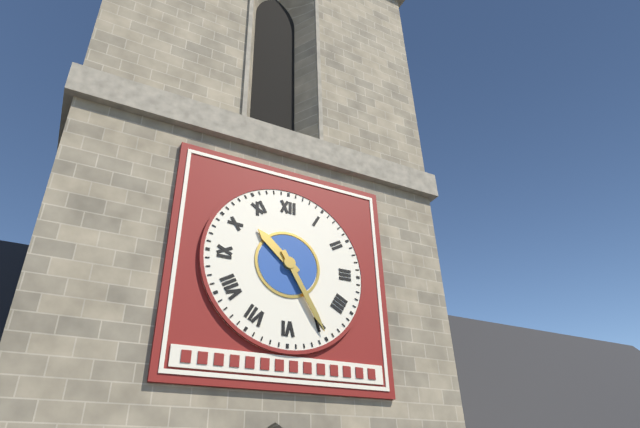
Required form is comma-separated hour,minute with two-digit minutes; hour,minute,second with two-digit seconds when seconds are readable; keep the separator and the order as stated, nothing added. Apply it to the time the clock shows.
10,25
